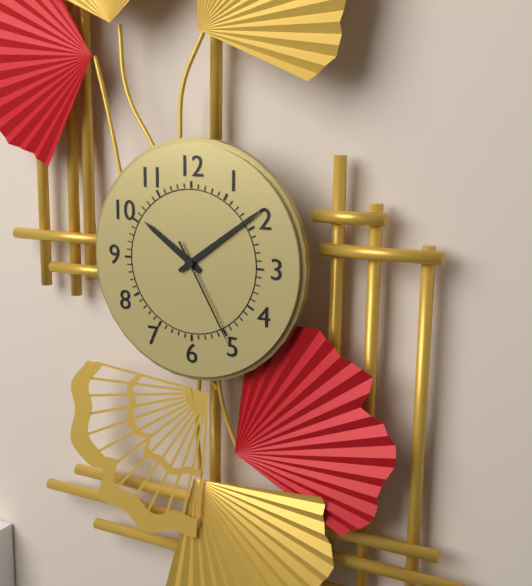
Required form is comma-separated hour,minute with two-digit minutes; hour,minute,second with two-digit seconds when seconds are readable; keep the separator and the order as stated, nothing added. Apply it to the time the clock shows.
10,09,25
